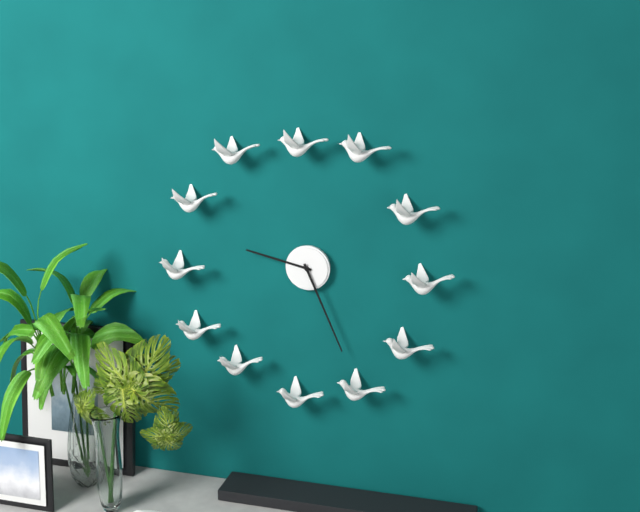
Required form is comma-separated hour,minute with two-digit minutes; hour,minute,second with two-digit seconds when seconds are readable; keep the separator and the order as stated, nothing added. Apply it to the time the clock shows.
9,26
